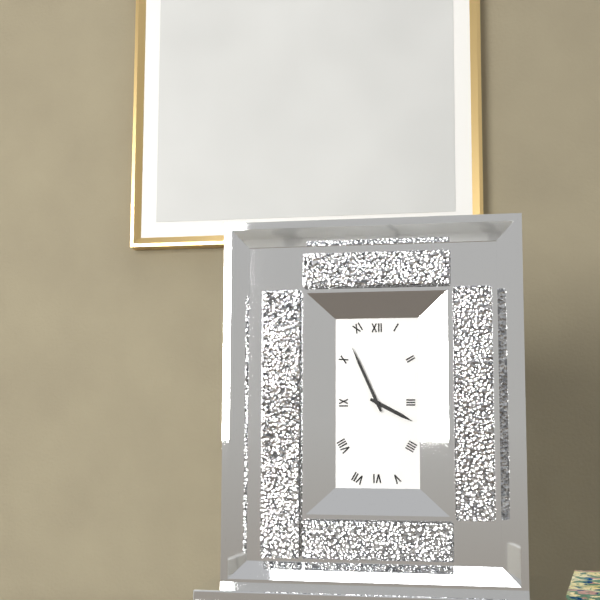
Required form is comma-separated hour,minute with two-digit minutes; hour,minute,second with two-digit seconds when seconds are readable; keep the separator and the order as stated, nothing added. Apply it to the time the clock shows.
3,56
